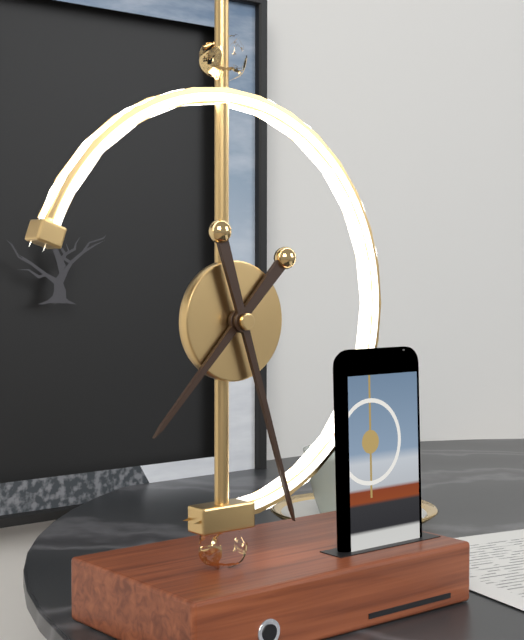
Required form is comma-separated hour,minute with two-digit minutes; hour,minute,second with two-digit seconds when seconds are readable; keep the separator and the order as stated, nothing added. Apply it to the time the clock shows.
7,27
